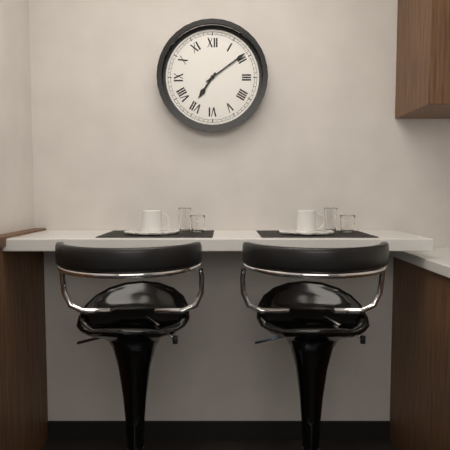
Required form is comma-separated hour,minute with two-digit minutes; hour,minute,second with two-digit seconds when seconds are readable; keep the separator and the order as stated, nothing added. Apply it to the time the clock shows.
7,09
